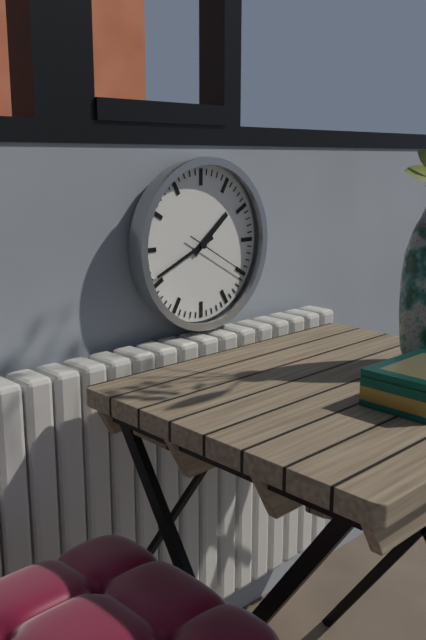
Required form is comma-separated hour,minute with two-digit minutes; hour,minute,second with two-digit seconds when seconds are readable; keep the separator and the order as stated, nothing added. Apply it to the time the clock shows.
1,41,20
